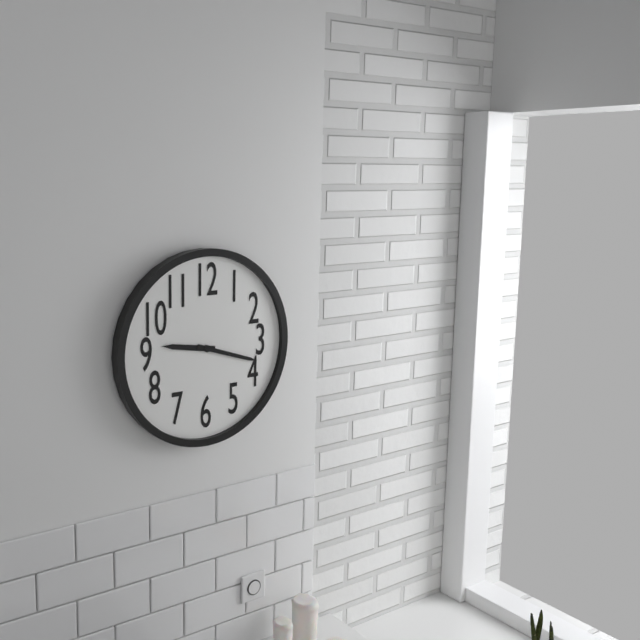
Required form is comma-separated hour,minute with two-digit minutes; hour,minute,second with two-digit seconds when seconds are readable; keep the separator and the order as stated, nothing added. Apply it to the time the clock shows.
9,18
